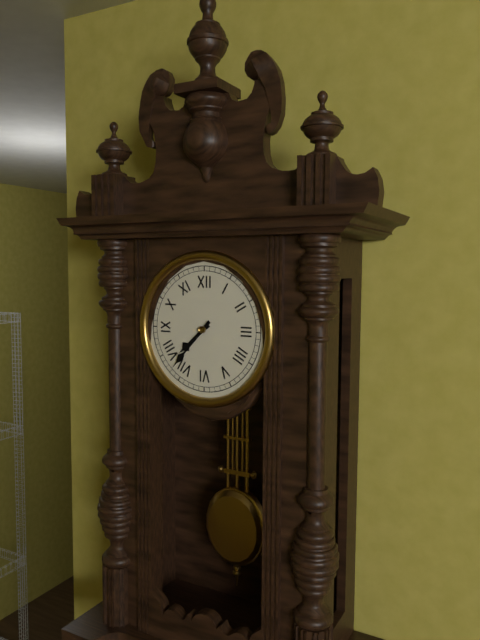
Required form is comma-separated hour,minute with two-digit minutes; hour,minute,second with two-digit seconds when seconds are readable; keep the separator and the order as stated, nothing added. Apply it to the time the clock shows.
7,37
